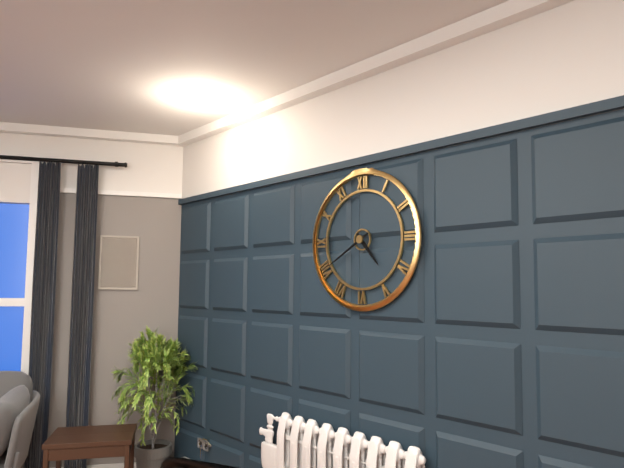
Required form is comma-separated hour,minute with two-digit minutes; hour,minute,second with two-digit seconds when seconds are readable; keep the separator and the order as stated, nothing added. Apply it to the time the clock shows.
4,40
